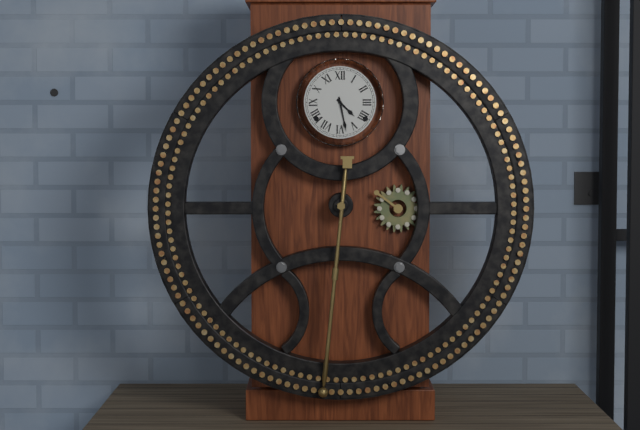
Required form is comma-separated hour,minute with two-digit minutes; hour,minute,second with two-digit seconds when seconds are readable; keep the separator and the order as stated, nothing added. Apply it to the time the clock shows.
4,28
